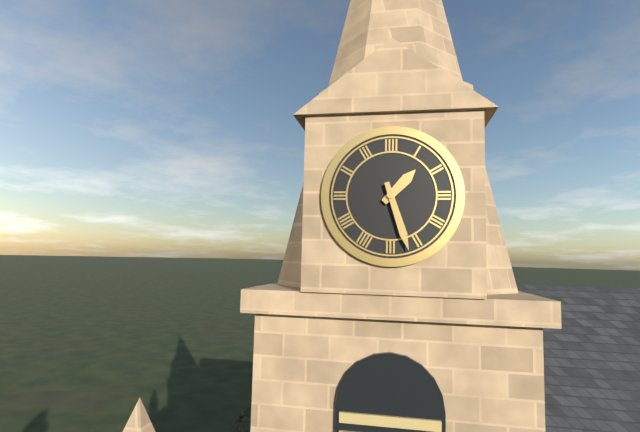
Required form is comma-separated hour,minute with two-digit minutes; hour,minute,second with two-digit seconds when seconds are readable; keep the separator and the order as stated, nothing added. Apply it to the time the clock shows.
1,27
